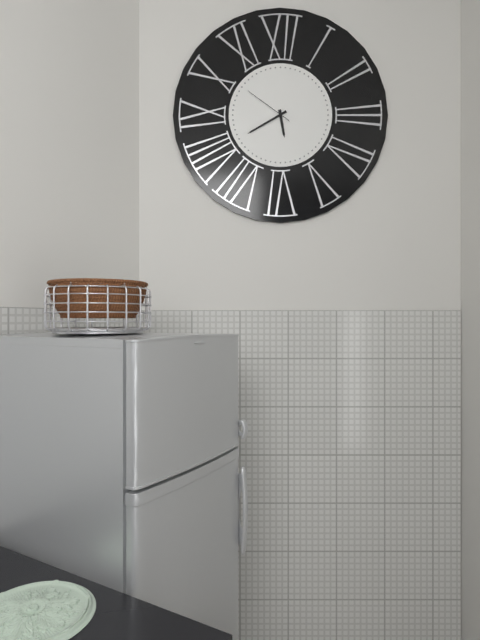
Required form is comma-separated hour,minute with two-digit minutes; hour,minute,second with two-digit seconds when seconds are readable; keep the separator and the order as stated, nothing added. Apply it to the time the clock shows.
5,40,51
